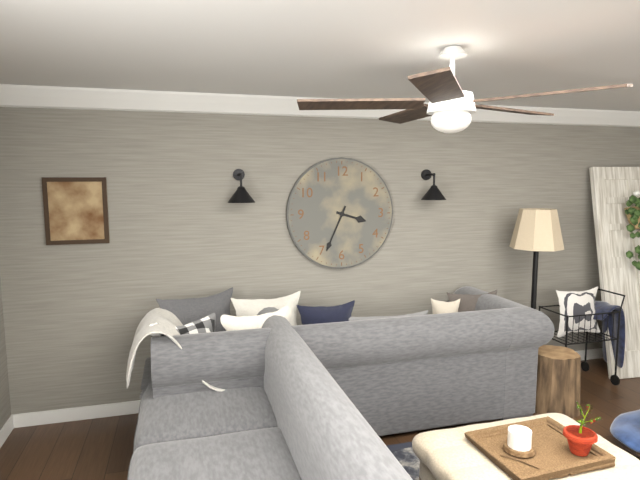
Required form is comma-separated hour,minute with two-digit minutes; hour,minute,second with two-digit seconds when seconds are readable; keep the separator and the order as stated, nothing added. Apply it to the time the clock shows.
3,34
